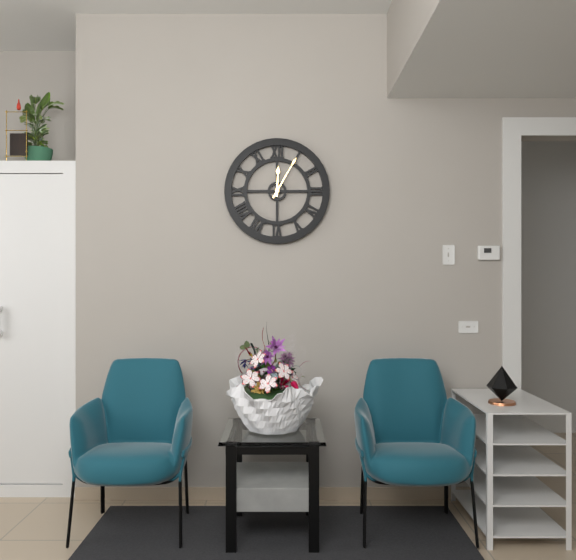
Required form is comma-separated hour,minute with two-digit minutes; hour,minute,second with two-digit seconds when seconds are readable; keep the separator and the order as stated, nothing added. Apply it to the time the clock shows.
12,05
